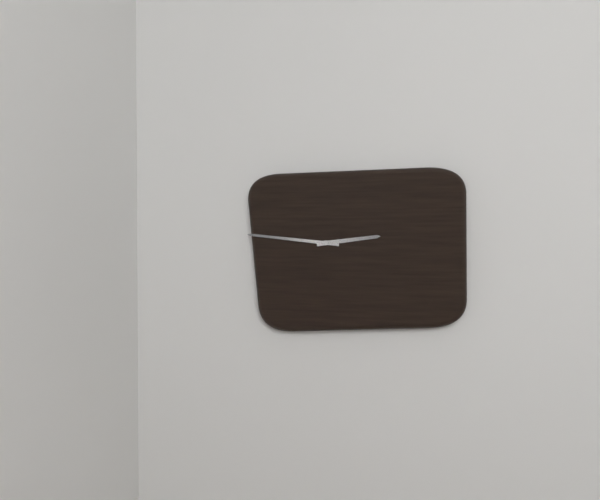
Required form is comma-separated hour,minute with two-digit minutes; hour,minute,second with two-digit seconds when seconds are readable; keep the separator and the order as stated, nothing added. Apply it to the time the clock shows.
2,46
